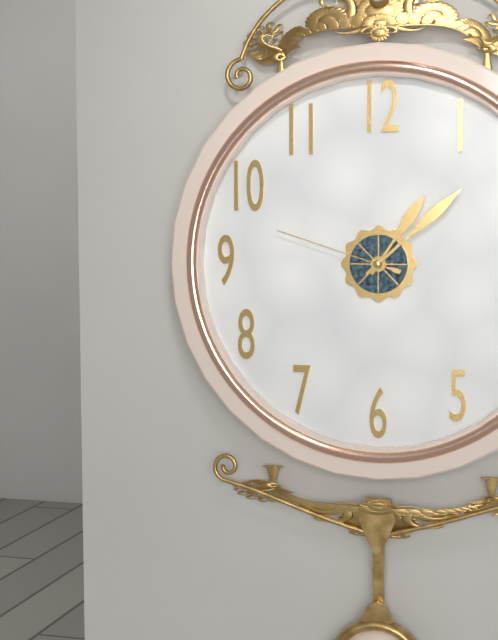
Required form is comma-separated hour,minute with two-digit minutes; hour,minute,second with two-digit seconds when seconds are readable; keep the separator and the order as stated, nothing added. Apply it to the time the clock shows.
1,08,48
